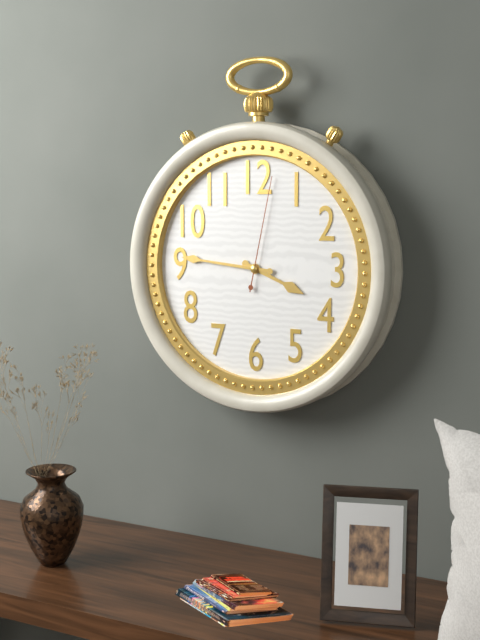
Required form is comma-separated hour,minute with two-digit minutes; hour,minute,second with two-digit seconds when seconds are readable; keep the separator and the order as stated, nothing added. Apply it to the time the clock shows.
3,46,02
